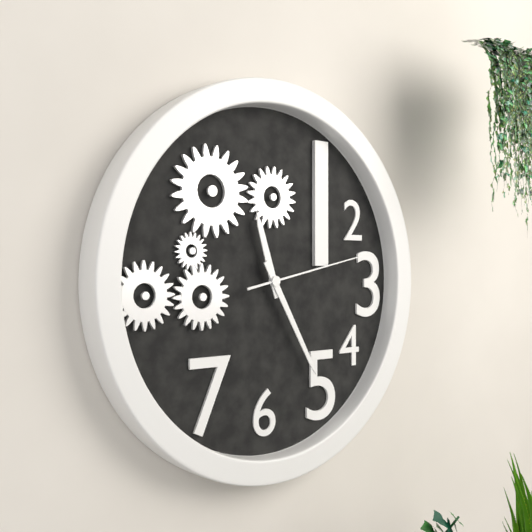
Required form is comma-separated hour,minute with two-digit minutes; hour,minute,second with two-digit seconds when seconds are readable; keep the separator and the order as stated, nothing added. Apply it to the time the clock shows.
11,25,13
